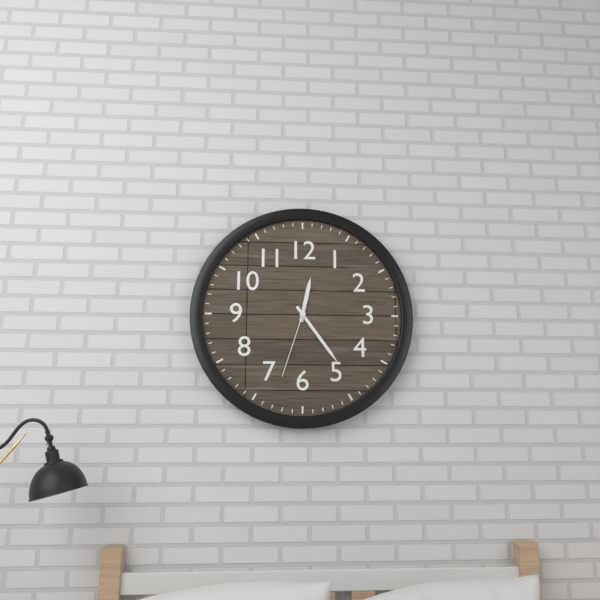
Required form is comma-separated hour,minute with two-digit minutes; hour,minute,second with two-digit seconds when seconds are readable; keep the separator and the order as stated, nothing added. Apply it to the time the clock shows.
12,24,33
